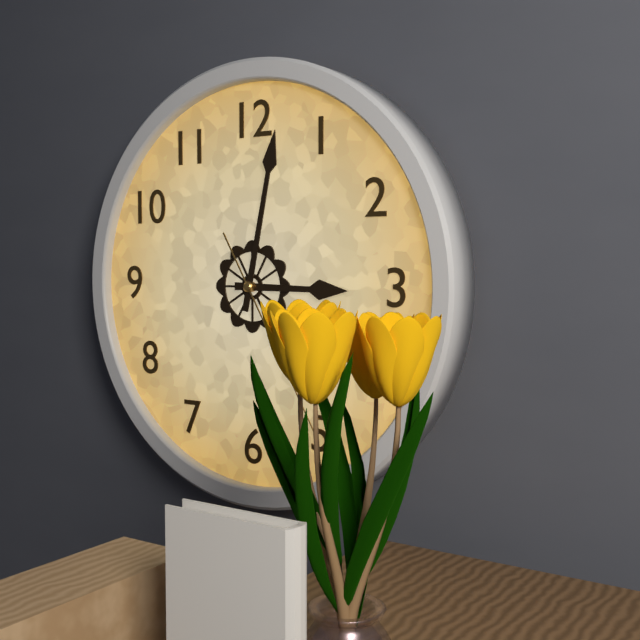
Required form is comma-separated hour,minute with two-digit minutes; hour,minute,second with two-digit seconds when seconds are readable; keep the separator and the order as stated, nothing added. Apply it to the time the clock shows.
3,02
